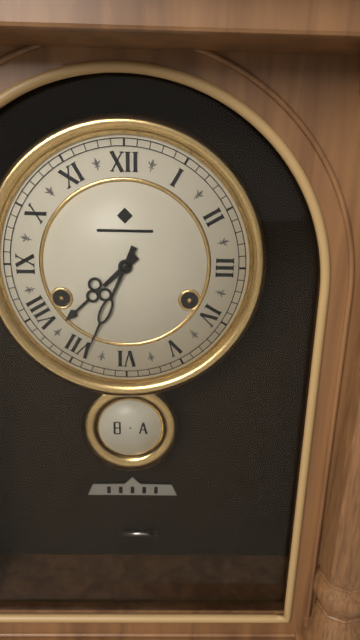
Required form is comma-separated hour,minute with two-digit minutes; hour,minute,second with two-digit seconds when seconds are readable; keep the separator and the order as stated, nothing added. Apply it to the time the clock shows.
7,34
